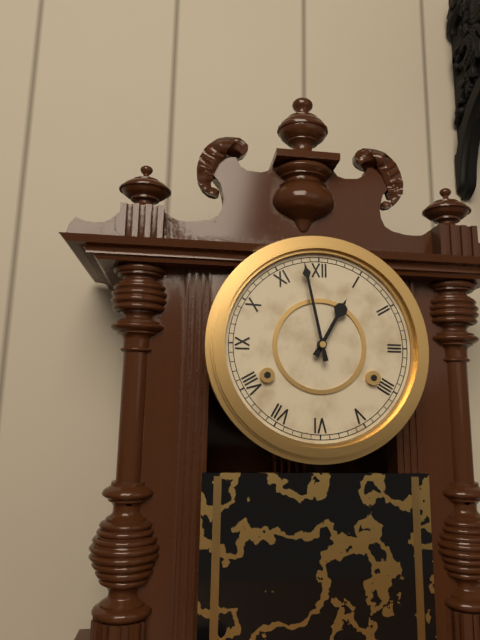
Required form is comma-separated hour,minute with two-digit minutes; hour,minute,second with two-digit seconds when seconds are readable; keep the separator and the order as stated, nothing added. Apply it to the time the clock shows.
12,58
